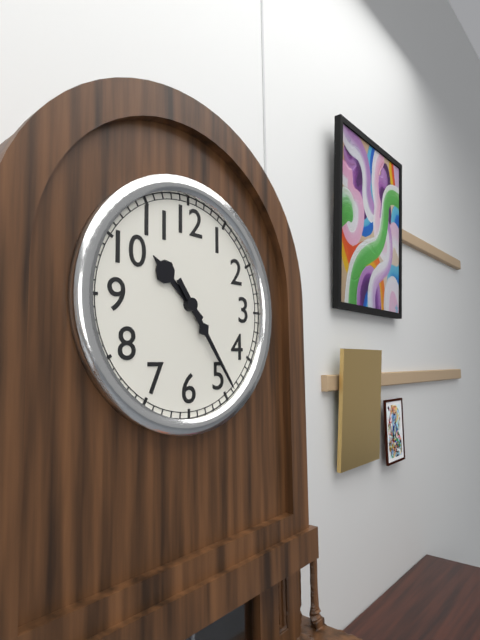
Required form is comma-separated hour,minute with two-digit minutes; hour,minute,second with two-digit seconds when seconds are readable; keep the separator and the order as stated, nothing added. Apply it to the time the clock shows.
10,24
